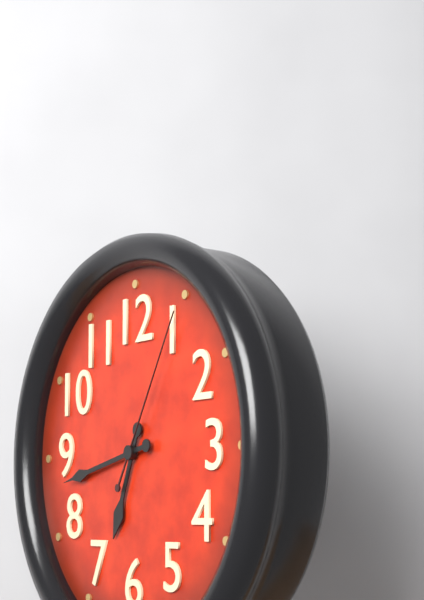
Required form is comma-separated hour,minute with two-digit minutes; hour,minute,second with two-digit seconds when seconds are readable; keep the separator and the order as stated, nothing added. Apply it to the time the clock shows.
6,43,05
